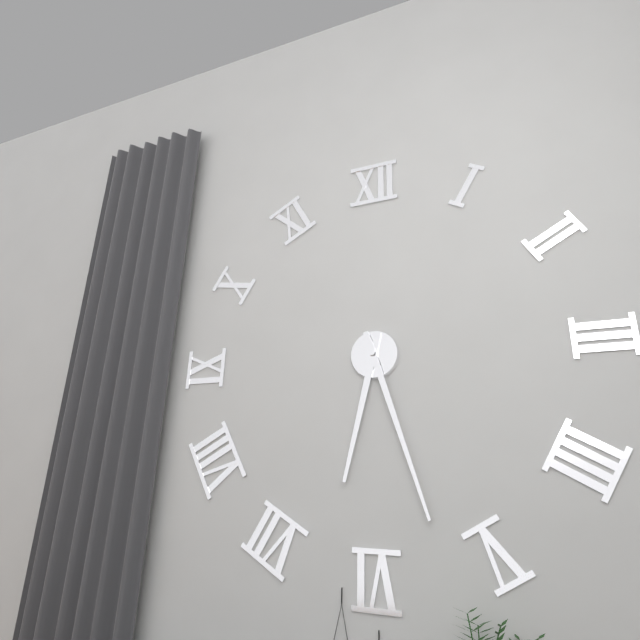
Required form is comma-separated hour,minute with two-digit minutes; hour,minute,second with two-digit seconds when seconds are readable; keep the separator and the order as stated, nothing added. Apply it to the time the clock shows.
6,27
